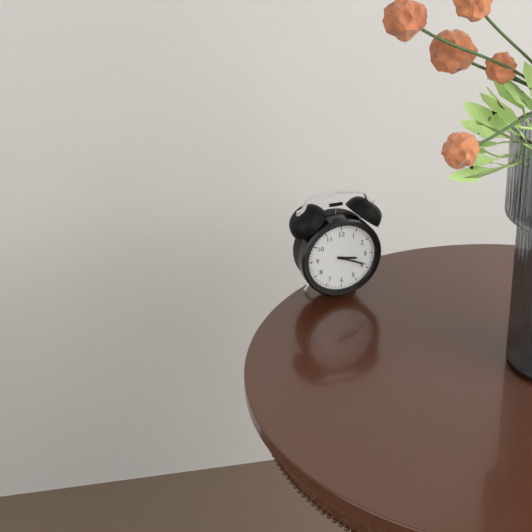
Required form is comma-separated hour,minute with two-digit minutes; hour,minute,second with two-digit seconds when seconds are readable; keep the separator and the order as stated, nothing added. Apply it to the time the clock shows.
3,19
